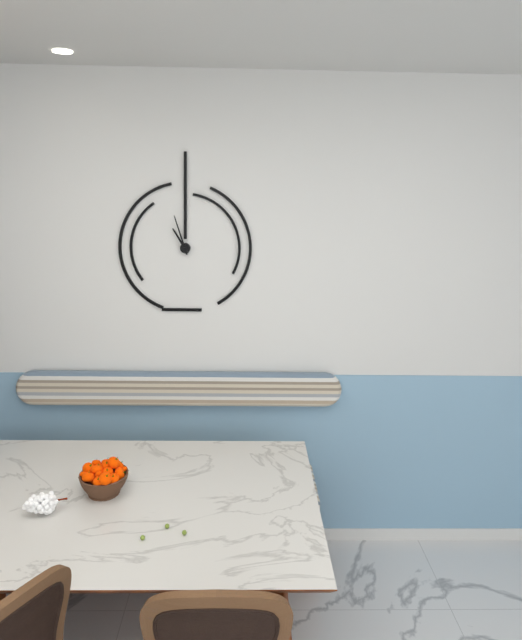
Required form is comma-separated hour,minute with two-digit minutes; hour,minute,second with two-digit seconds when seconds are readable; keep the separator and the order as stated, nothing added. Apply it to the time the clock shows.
10,57
